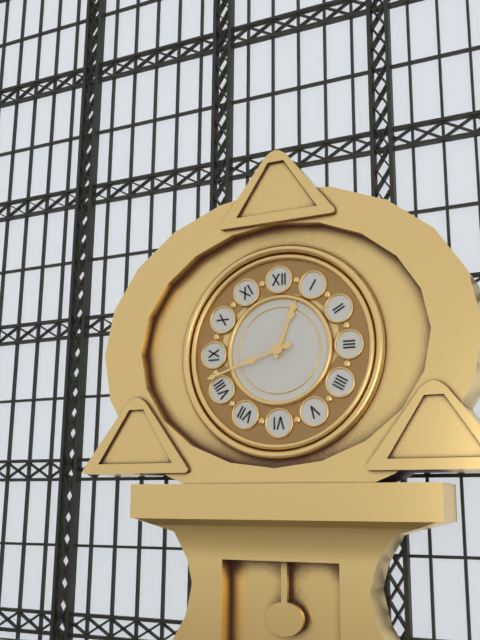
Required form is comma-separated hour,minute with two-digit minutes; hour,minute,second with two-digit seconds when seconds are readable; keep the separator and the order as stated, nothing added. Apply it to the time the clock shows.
12,42
